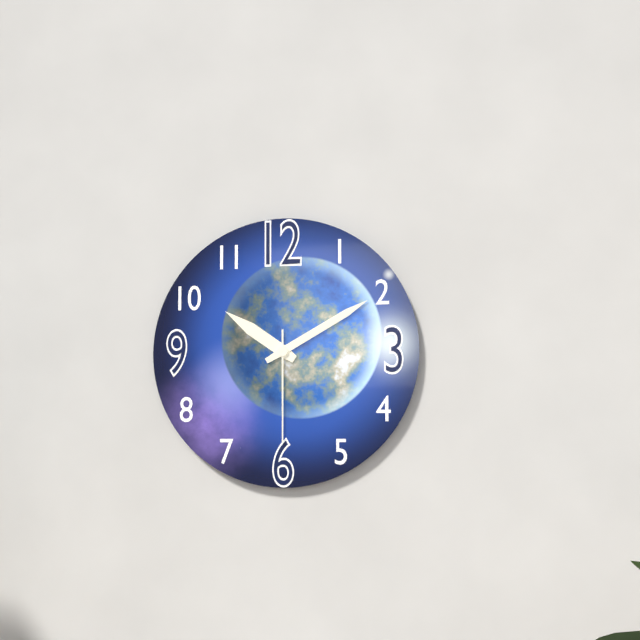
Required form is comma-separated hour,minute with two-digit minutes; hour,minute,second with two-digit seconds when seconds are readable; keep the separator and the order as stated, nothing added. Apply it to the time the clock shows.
10,10,30
